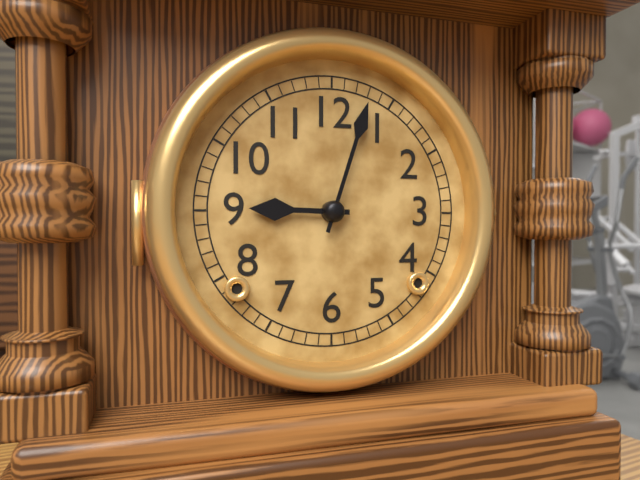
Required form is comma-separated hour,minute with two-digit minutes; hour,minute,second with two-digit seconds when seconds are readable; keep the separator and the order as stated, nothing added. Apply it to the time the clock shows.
9,03
